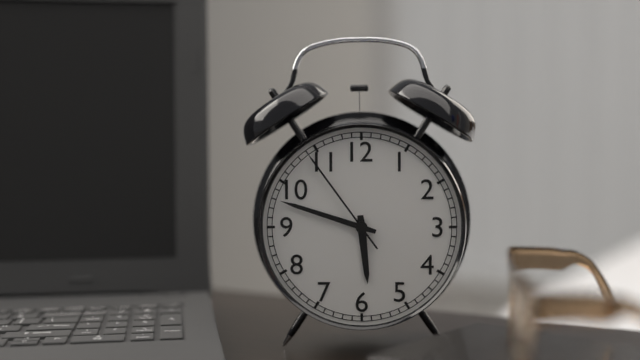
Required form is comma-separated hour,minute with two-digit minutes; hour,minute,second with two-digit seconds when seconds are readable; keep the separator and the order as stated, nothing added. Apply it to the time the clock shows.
5,48,54
